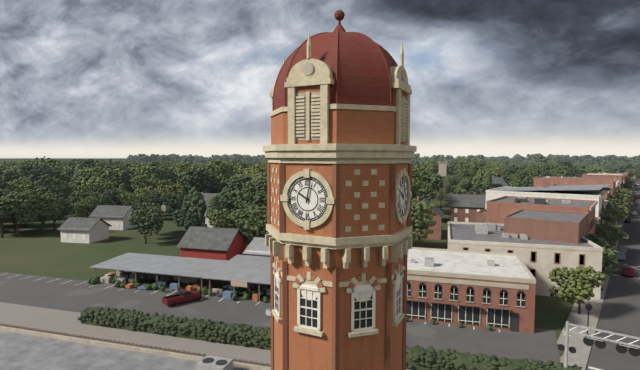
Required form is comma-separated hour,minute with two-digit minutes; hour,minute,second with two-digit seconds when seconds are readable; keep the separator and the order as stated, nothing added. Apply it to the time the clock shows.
10,02
